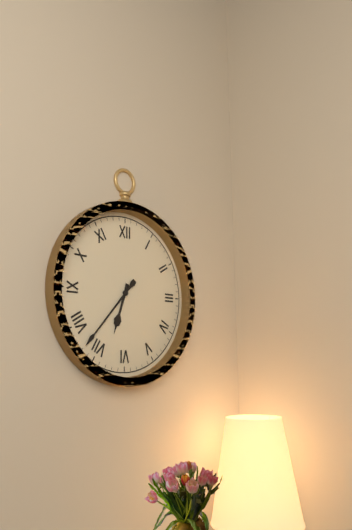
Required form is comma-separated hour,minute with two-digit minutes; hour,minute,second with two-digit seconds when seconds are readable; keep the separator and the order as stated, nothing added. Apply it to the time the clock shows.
6,37
